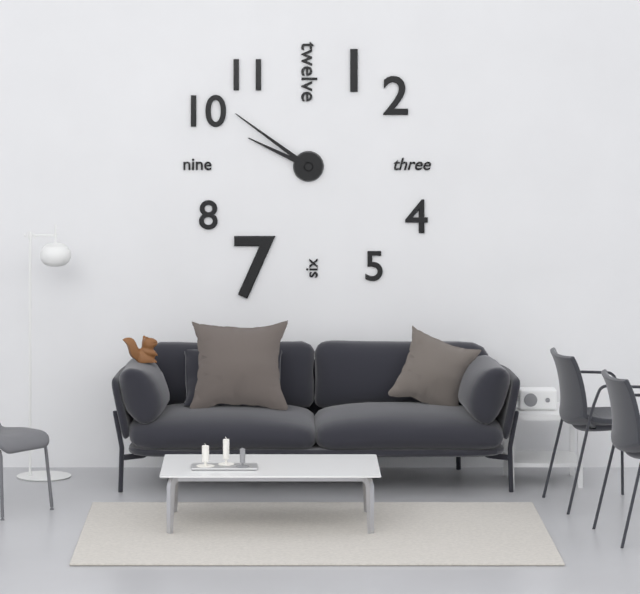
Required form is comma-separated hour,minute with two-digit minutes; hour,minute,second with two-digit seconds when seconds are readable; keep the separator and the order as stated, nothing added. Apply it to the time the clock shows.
9,51
